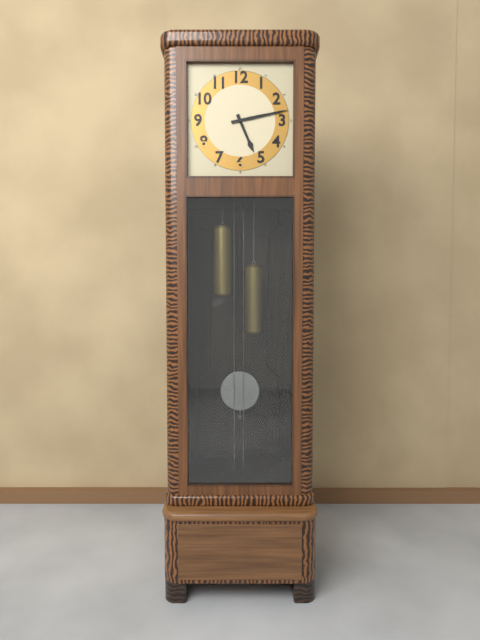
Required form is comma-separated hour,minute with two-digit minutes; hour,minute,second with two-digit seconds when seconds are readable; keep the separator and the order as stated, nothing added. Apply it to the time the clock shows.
5,13
